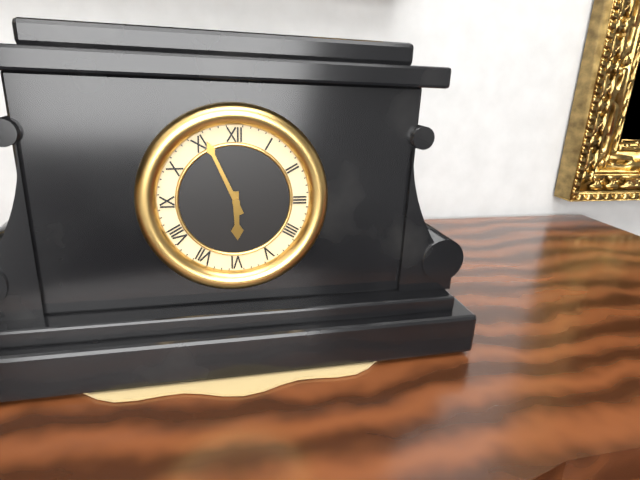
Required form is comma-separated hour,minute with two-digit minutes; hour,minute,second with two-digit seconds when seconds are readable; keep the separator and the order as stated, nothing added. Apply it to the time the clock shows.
5,56
